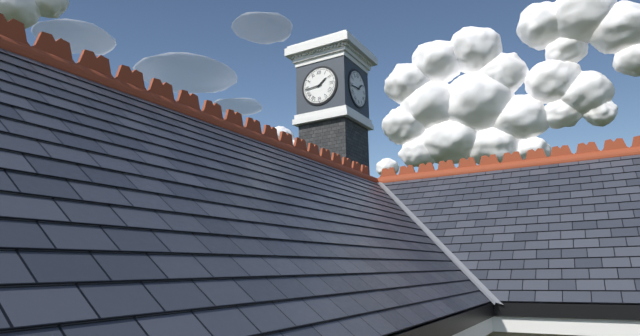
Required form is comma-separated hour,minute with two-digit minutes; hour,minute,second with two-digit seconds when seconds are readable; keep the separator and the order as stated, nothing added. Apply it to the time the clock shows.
1,44
